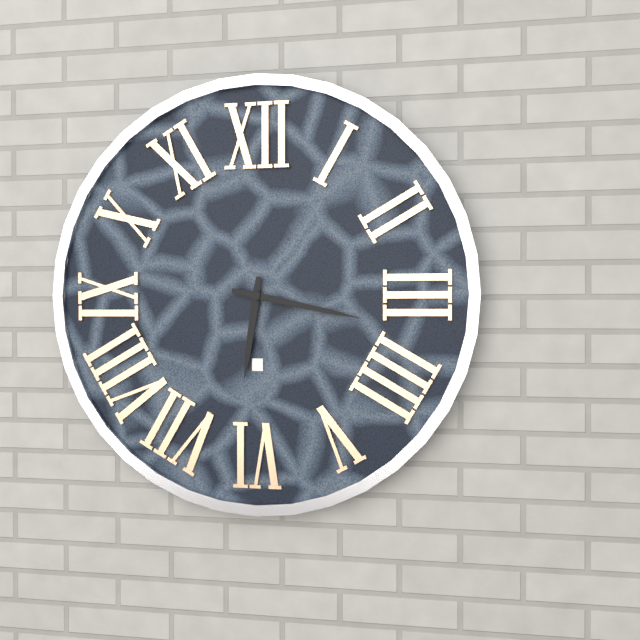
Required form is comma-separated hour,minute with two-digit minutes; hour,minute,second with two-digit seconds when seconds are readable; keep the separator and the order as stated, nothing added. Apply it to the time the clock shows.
6,17
